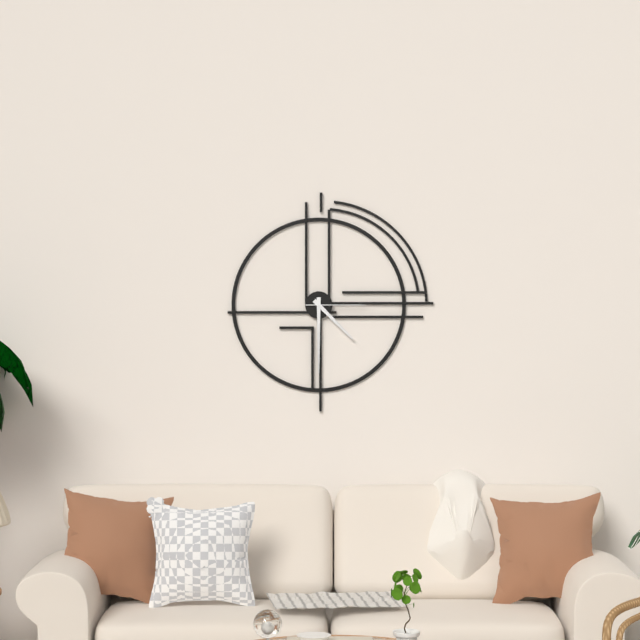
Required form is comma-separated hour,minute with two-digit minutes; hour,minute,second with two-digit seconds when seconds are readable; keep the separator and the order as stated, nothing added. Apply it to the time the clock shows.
4,30,15
